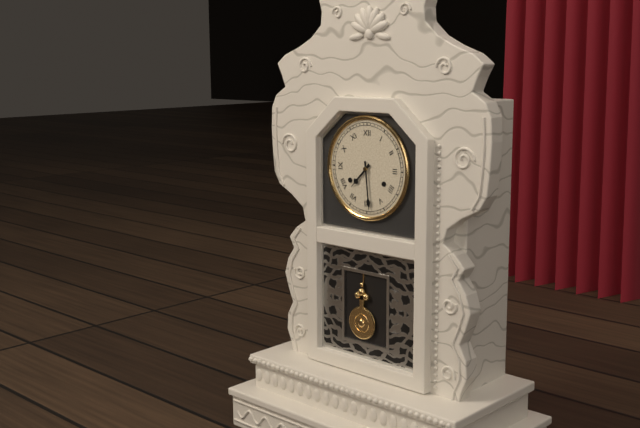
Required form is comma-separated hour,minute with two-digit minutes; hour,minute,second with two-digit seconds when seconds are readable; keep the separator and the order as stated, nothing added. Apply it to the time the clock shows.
7,29
